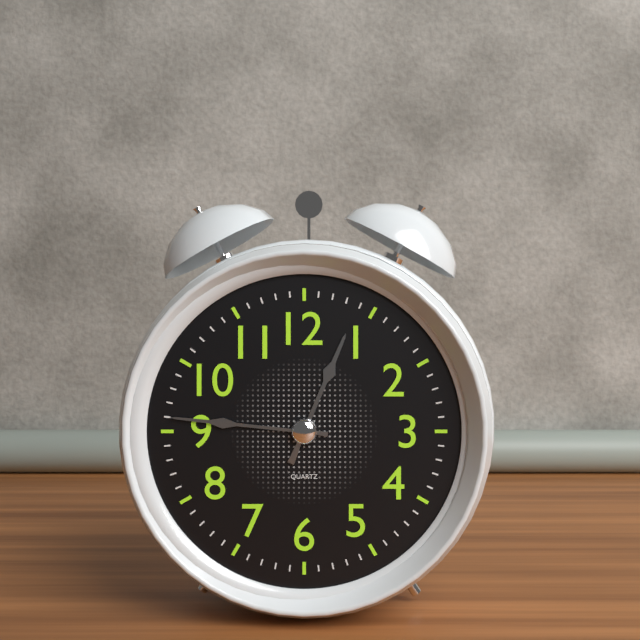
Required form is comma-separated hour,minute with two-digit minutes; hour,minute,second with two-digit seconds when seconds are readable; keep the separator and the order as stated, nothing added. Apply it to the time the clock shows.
12,46
